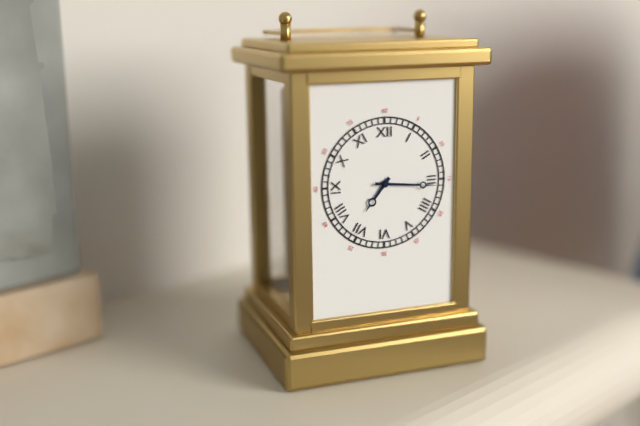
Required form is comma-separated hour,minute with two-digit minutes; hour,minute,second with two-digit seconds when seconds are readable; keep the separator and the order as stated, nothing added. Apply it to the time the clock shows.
7,16
